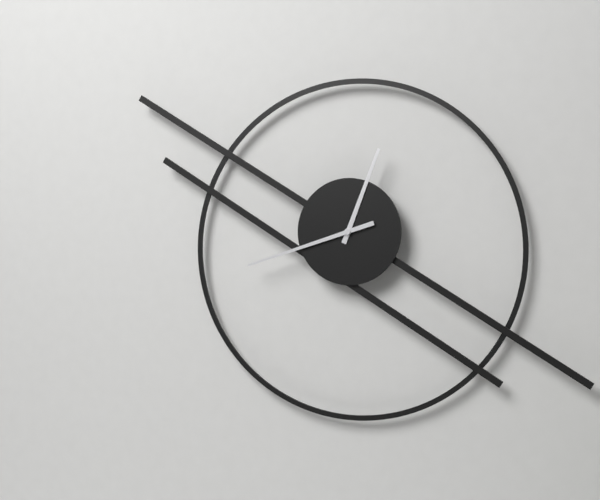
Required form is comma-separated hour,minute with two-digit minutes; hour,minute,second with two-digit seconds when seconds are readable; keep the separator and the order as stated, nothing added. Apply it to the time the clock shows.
12,42
